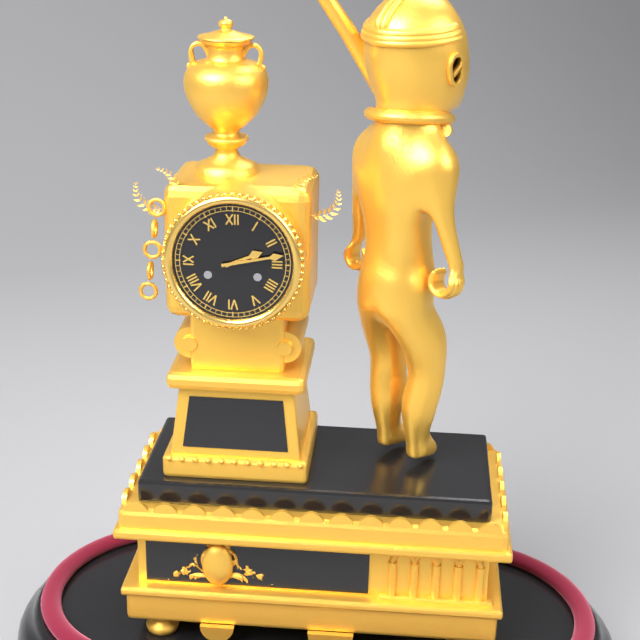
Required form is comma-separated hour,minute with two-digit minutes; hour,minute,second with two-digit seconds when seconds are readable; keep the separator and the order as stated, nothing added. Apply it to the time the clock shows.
2,13
